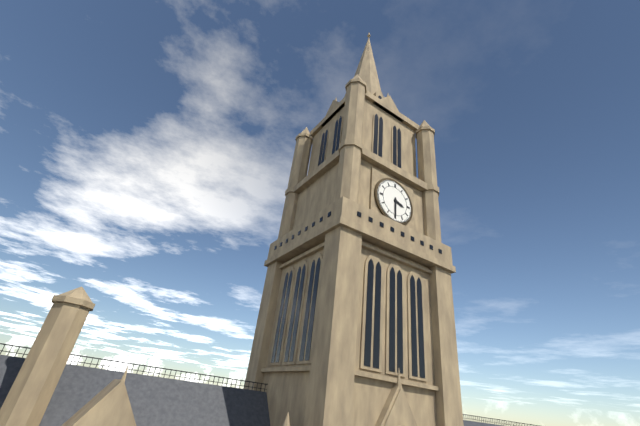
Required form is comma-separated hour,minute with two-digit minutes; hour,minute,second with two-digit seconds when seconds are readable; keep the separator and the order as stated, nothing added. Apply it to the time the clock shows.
3,30
